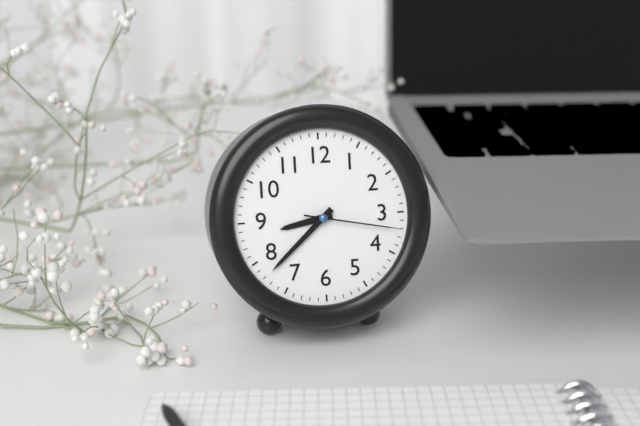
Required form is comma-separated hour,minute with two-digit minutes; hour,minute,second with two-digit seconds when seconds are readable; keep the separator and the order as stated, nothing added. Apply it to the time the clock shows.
8,38,17
